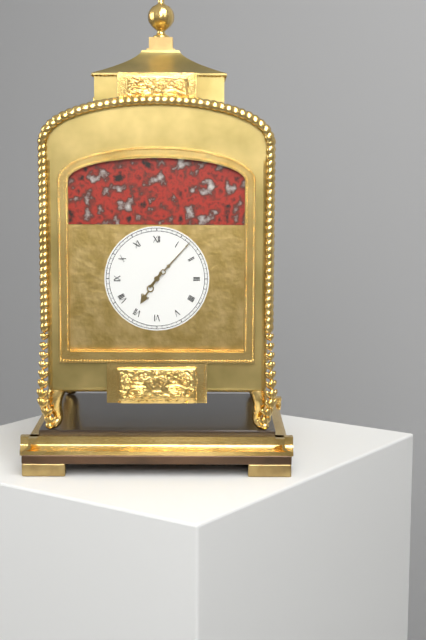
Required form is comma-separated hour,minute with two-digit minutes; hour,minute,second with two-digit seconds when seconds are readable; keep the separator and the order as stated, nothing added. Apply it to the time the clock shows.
7,07
